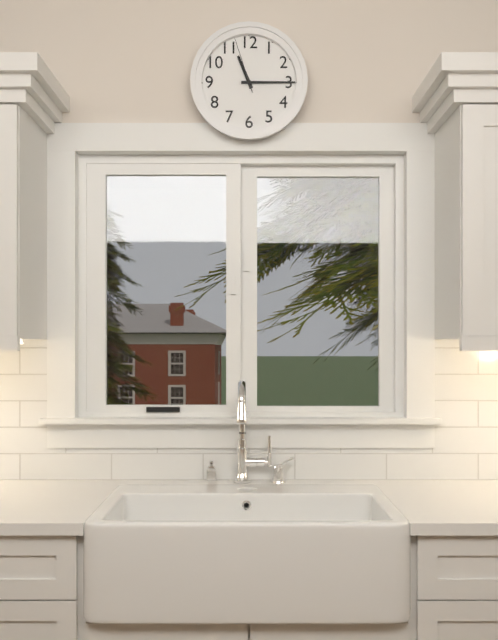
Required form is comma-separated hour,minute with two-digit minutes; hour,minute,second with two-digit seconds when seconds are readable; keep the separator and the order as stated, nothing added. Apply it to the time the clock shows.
11,15,57
